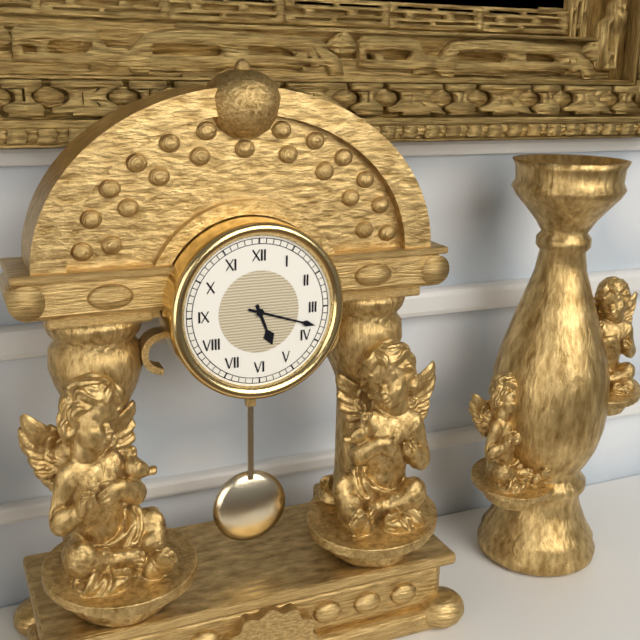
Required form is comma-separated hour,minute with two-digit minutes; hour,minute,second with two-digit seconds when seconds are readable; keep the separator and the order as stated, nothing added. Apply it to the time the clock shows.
5,18
